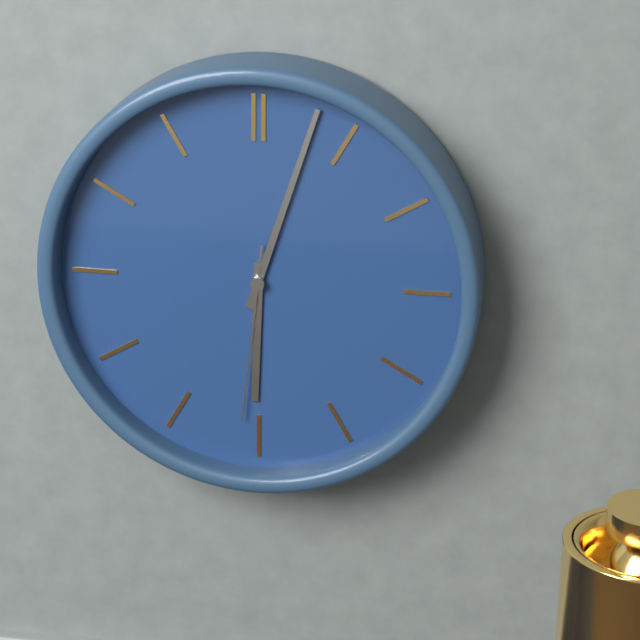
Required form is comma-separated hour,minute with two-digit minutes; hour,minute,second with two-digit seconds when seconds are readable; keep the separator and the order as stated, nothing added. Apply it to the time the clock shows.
6,03,31
